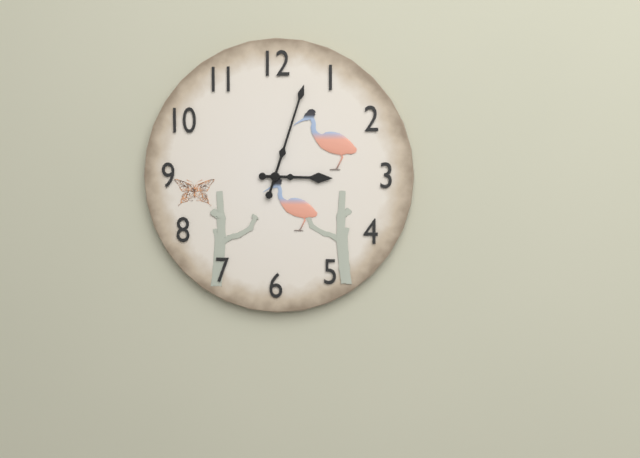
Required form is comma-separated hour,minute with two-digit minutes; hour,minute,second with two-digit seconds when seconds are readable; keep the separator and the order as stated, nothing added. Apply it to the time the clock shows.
3,03
